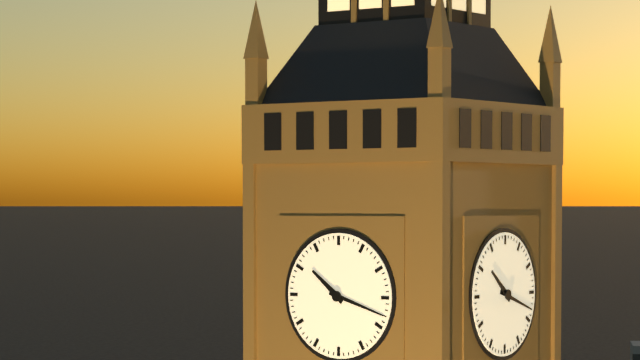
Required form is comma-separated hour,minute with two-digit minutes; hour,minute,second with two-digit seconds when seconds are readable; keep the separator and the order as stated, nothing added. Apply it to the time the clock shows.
10,18
